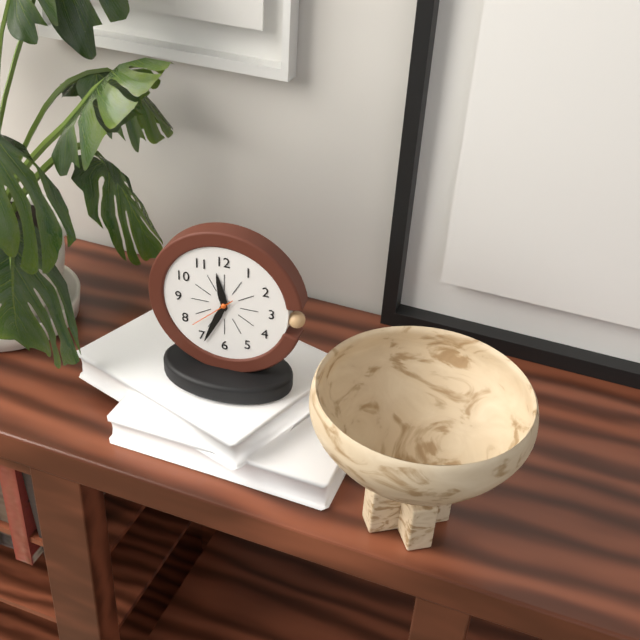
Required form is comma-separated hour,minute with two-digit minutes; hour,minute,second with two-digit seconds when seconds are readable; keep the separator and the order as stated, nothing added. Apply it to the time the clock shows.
11,34,38
